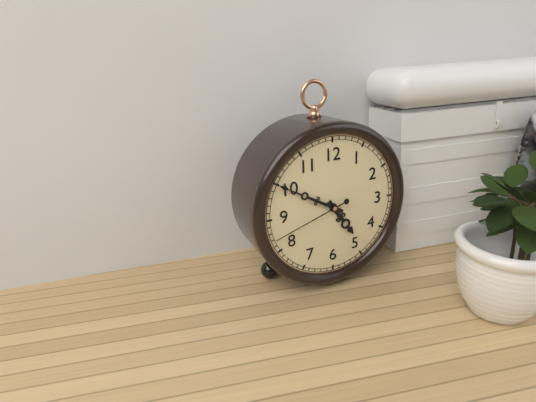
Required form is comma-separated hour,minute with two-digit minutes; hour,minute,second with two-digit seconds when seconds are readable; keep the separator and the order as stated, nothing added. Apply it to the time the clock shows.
4,50,42
